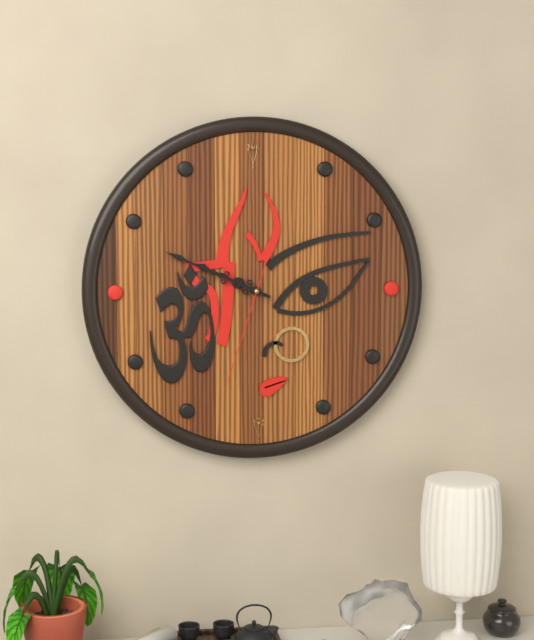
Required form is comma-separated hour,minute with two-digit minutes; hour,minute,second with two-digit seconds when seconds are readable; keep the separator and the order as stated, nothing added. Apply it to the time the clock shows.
9,49,33
